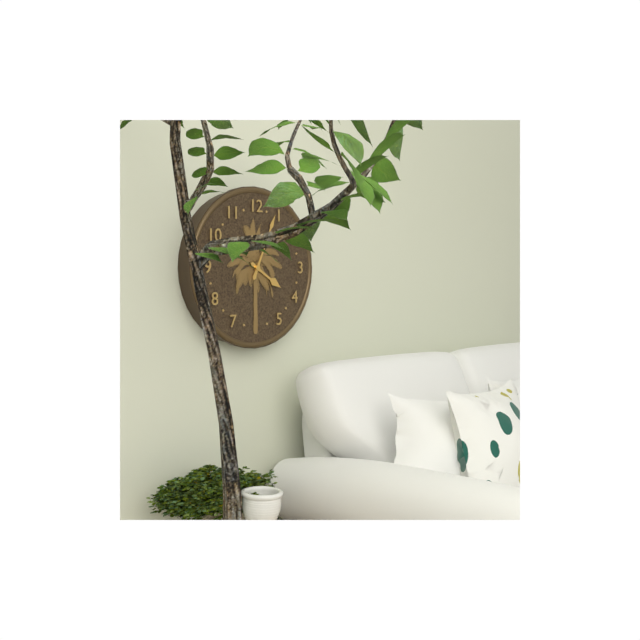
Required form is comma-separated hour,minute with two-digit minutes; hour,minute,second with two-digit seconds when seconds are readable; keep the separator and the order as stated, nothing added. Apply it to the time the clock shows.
4,04
